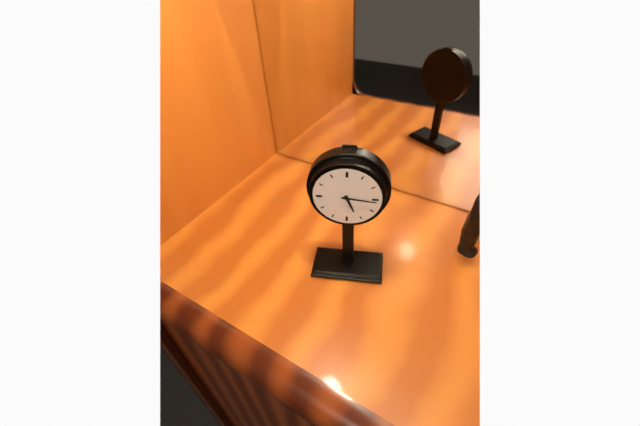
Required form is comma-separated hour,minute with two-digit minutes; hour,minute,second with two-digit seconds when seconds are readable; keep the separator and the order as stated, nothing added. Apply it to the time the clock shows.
5,16
